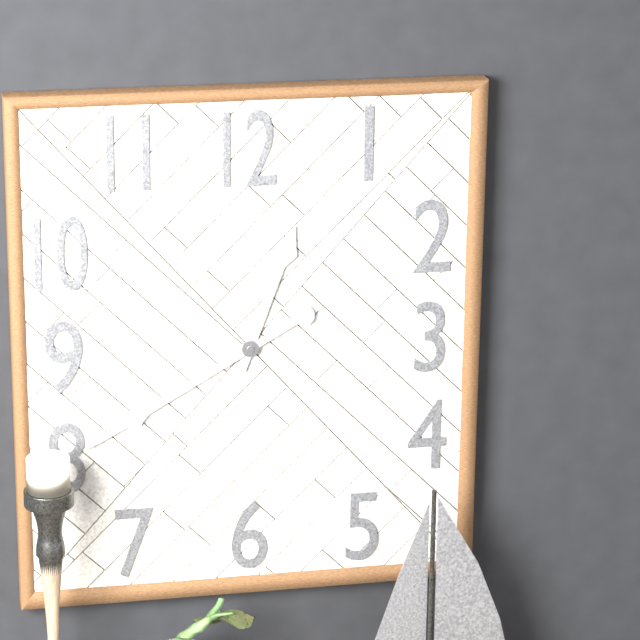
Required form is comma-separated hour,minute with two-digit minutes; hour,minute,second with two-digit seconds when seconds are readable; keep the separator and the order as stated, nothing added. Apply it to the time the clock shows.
12,40
